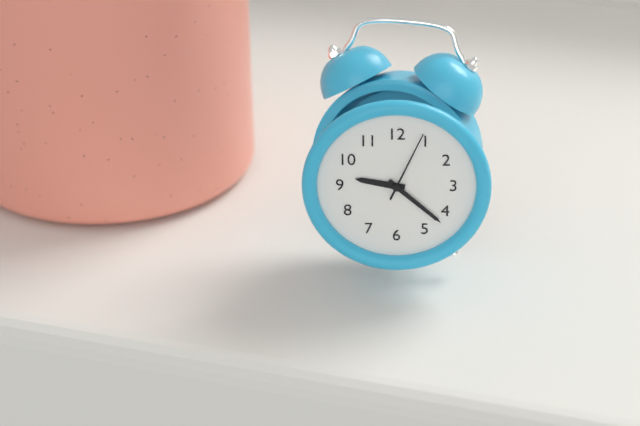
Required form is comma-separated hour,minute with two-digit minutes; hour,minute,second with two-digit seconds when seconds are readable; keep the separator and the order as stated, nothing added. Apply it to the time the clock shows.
9,22,04
